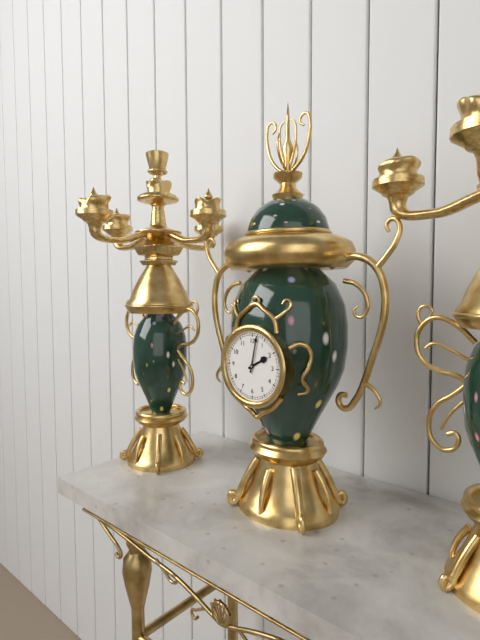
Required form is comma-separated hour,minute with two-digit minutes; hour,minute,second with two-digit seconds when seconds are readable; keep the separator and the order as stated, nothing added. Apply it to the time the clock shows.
2,02
